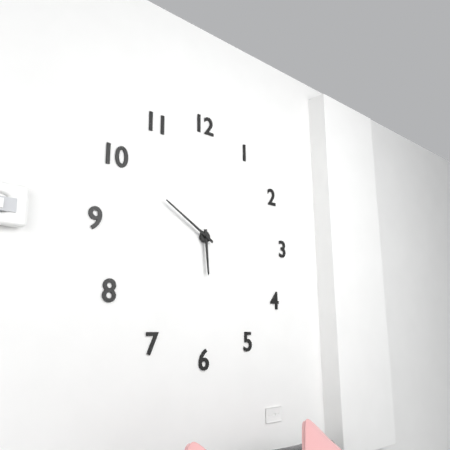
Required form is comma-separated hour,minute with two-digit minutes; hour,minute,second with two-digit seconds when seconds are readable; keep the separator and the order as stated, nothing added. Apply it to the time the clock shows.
5,50
